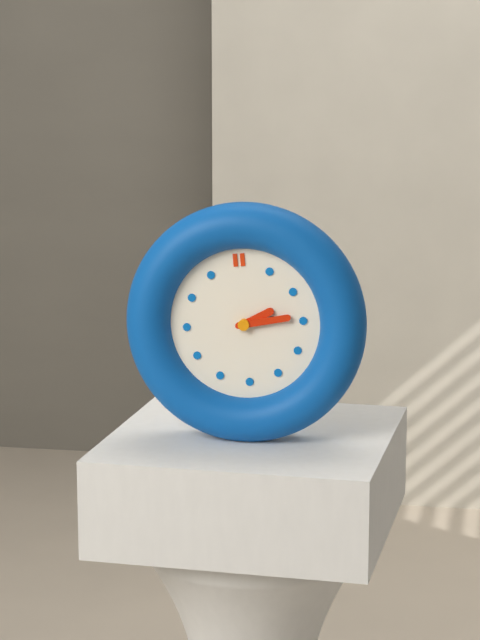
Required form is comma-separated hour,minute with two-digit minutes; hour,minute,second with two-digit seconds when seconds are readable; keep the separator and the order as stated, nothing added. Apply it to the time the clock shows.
2,14
